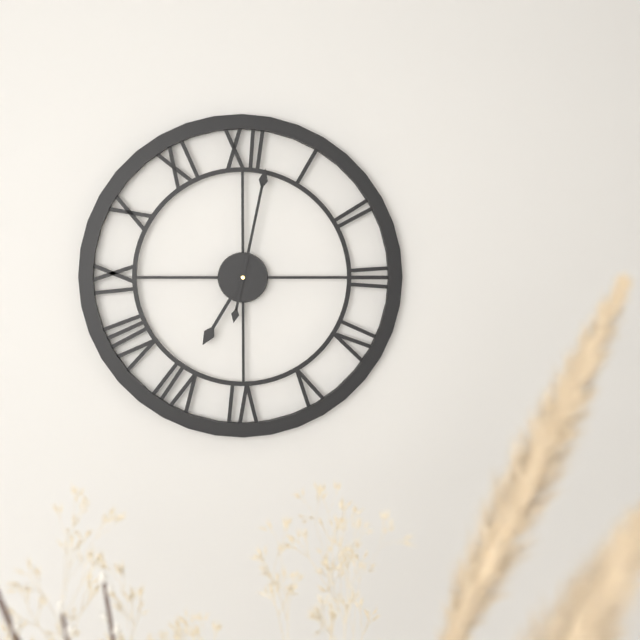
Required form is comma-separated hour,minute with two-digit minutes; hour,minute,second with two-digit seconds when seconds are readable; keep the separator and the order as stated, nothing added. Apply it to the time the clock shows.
7,02
